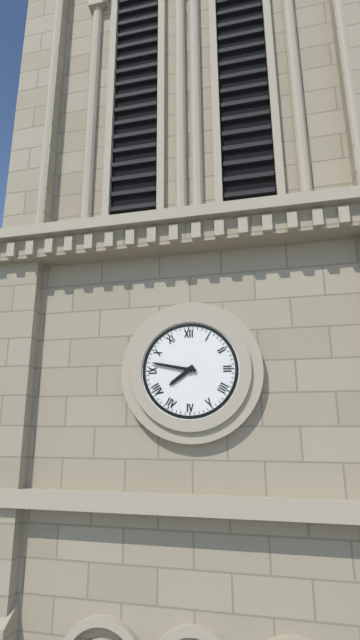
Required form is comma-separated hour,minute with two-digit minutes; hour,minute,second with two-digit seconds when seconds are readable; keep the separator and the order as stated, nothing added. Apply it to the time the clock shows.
7,47
